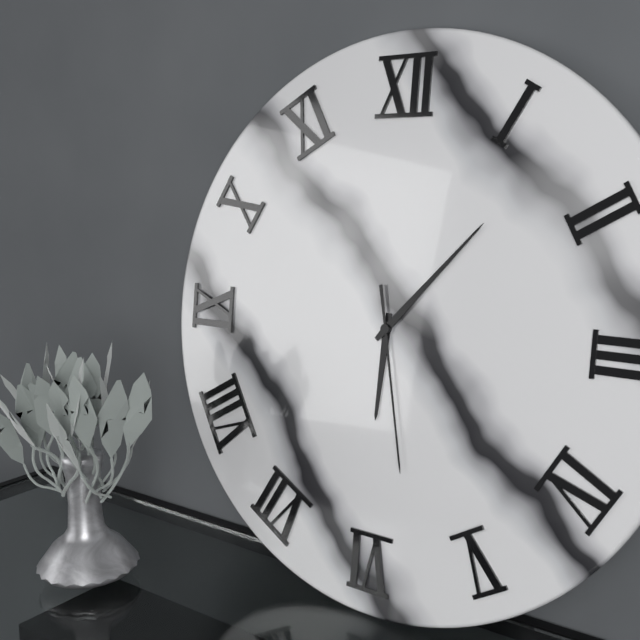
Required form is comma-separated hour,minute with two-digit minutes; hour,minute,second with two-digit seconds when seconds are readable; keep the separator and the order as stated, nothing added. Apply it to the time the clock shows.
6,07,28
